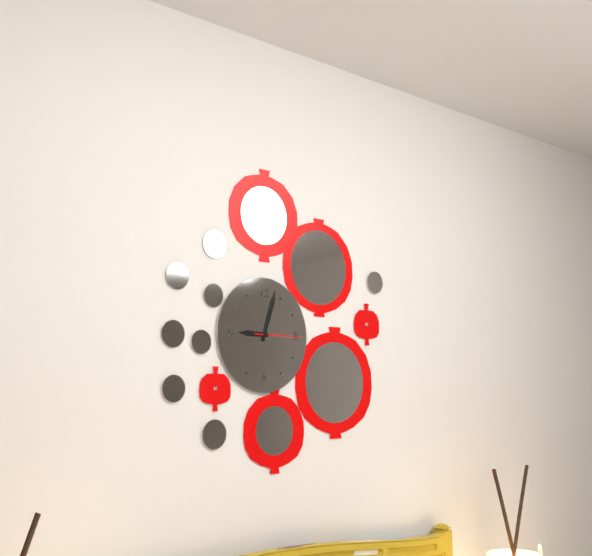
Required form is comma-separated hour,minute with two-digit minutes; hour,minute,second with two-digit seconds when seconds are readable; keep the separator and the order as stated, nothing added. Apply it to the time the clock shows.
9,03
